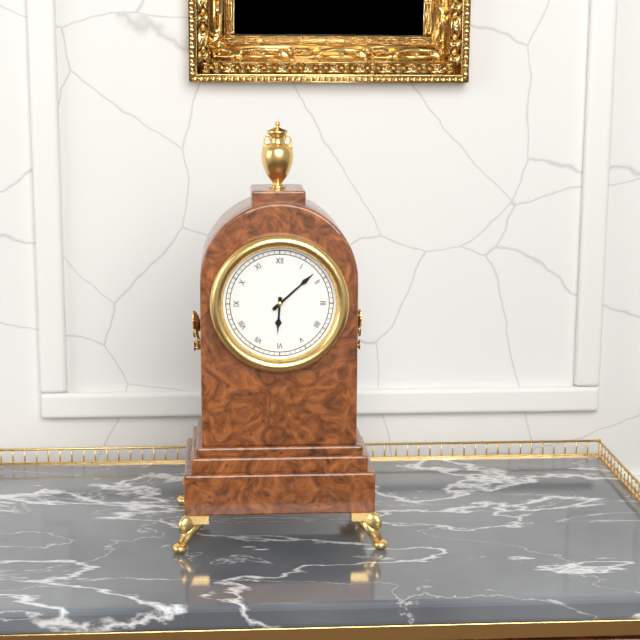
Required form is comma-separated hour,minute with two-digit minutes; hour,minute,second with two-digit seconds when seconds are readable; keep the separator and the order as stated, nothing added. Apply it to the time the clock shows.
6,08
